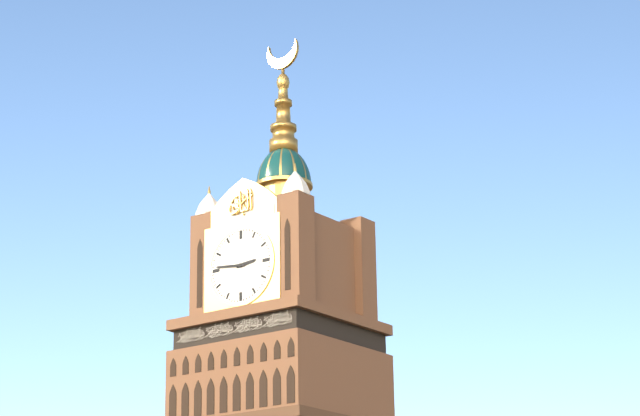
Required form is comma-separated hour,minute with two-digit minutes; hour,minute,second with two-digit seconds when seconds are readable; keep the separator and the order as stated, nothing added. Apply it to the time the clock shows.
2,46
